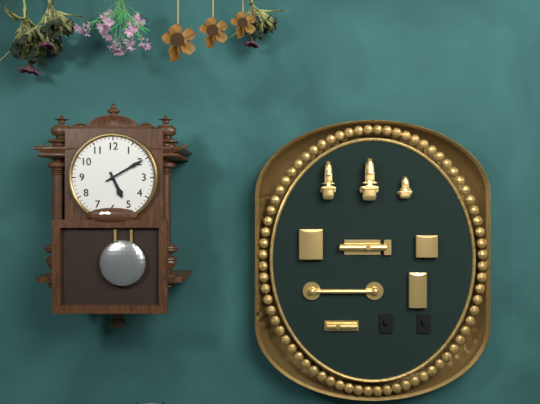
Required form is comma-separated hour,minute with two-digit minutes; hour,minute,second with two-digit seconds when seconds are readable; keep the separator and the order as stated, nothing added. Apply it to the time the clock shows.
5,10
